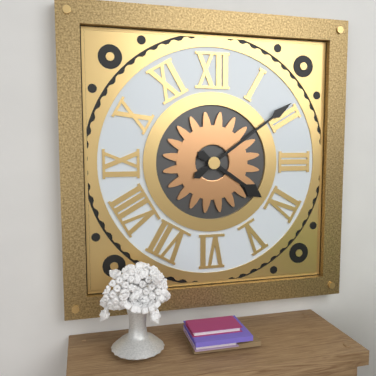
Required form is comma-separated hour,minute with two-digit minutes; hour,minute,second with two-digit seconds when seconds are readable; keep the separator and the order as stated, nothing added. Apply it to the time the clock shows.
4,09
